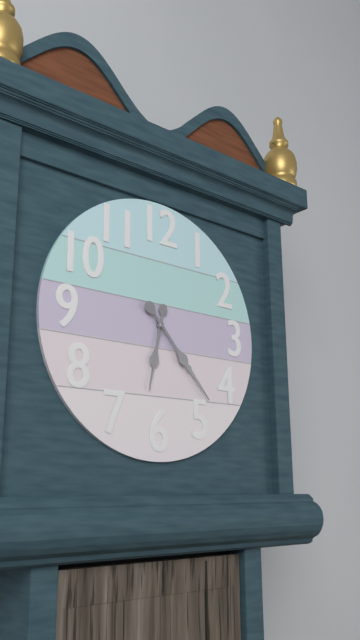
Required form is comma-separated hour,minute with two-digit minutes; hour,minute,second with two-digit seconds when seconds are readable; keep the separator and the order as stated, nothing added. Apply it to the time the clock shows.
6,23
